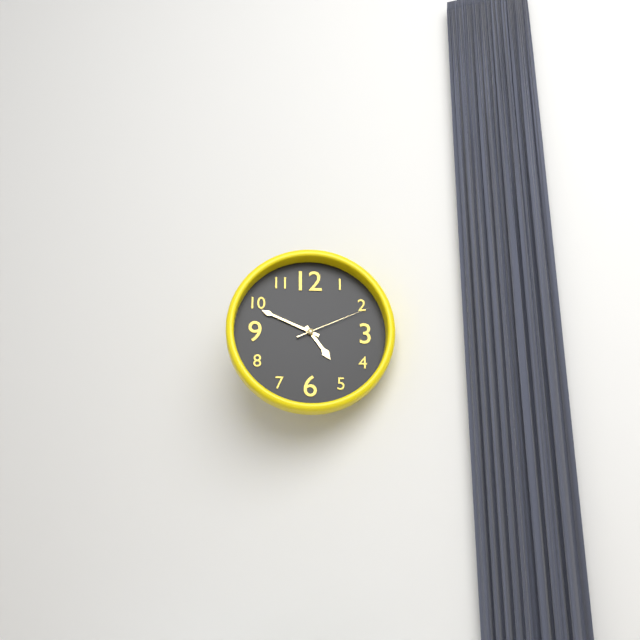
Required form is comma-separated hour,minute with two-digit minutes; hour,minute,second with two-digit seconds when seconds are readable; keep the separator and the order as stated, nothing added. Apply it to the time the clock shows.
4,49,11
